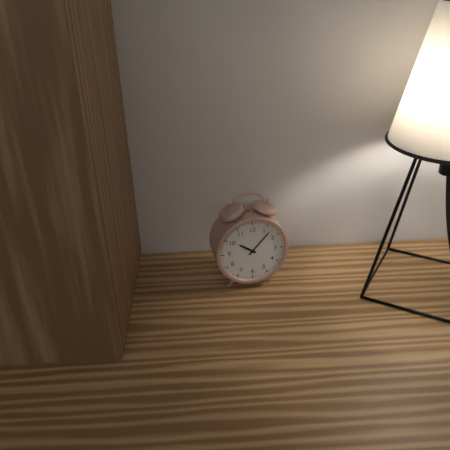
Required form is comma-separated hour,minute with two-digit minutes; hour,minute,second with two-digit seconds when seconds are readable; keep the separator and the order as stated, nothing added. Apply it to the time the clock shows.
10,07
